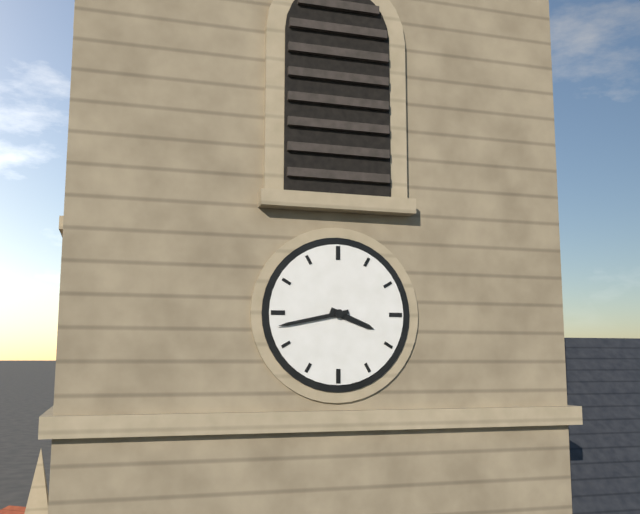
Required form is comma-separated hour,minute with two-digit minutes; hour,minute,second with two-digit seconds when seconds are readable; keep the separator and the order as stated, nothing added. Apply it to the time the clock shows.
3,43
